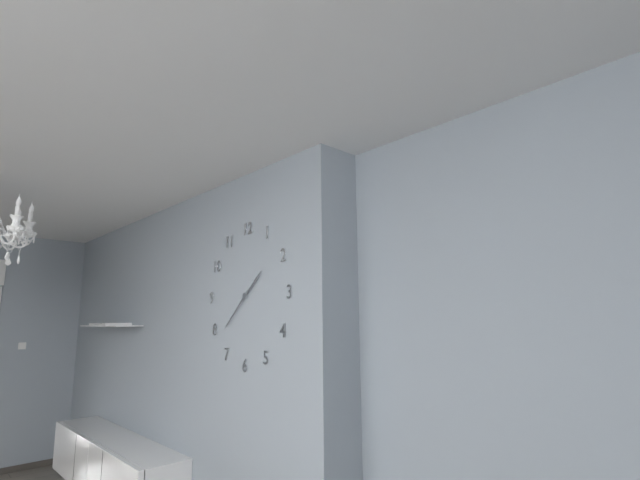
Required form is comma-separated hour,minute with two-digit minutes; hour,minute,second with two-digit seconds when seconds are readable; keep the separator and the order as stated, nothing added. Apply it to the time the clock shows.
1,38
